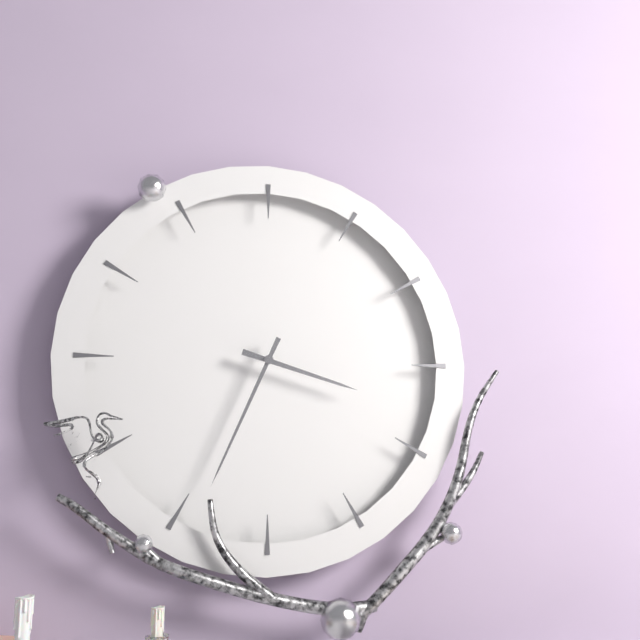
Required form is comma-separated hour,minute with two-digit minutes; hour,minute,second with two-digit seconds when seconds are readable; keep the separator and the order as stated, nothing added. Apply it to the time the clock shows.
3,34
